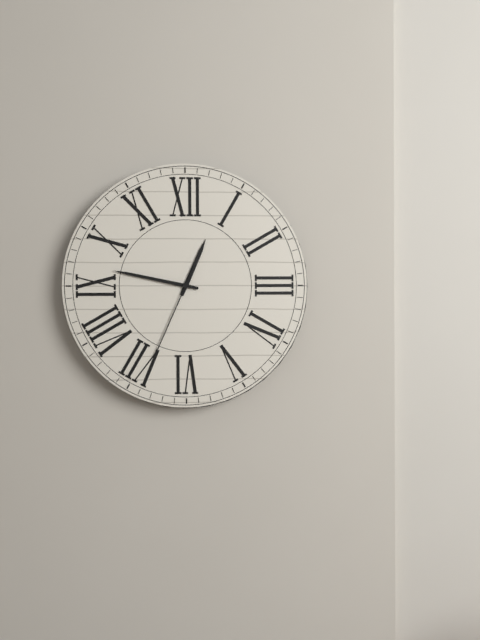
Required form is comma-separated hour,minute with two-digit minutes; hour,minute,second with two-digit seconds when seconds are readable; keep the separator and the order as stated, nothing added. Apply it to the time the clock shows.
12,47,34
